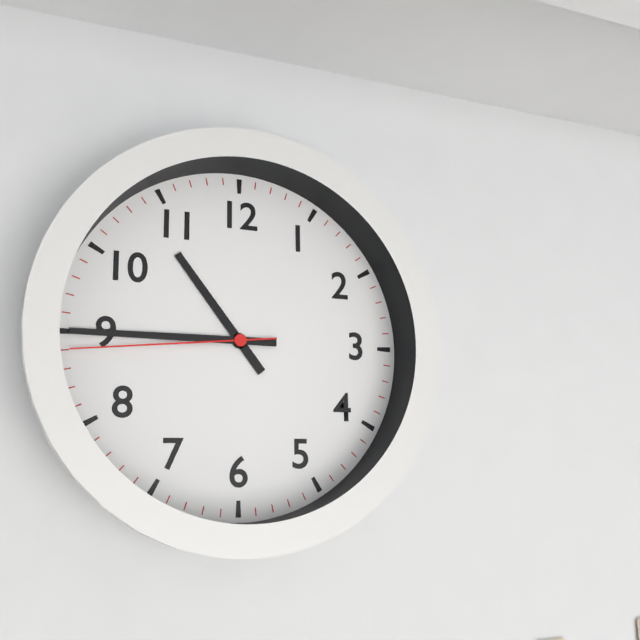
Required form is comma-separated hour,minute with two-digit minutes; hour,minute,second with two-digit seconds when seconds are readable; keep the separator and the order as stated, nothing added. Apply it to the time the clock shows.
10,45,44
